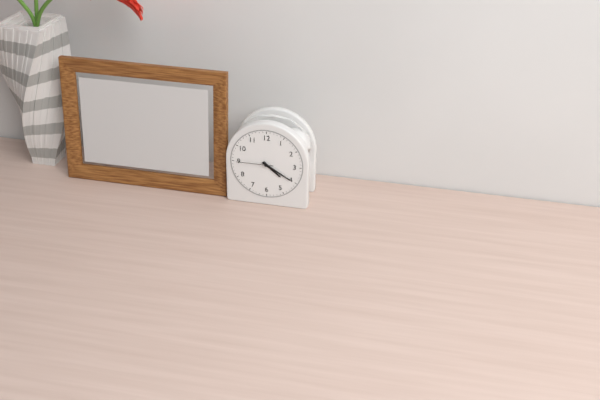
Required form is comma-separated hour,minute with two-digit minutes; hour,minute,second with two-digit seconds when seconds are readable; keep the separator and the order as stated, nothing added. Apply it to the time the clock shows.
4,20
